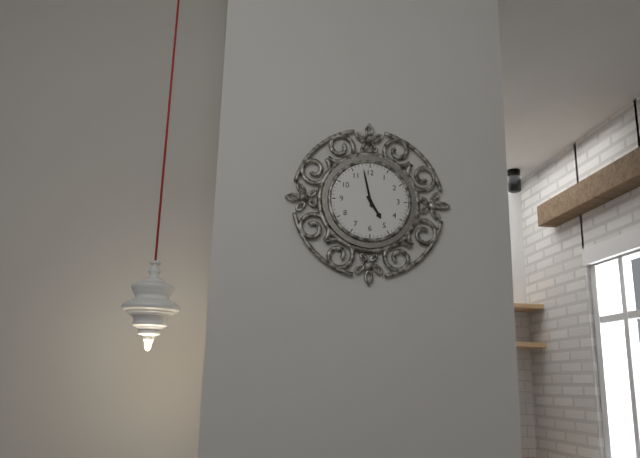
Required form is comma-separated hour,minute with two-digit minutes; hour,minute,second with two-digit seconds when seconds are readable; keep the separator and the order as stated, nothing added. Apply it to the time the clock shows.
4,58
